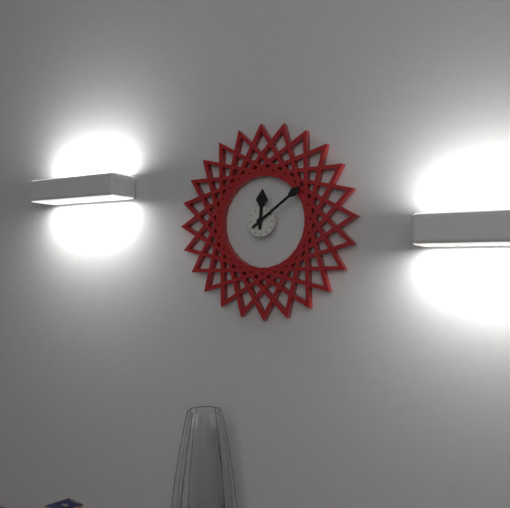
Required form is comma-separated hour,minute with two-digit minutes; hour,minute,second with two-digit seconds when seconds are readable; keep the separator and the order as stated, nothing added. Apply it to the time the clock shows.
12,09
